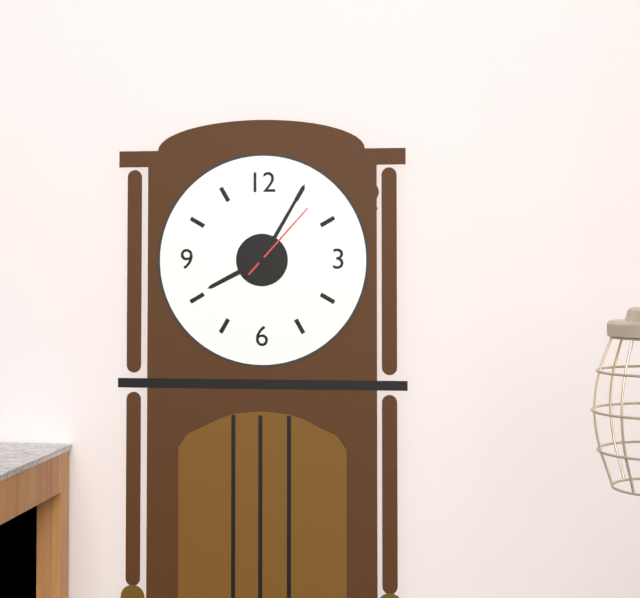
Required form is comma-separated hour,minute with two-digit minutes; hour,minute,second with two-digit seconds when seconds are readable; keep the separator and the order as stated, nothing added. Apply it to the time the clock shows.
8,05,07
